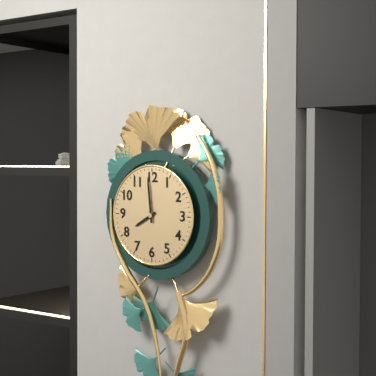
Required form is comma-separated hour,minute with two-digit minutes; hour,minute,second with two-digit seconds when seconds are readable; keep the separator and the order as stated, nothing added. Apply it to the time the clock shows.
7,59
